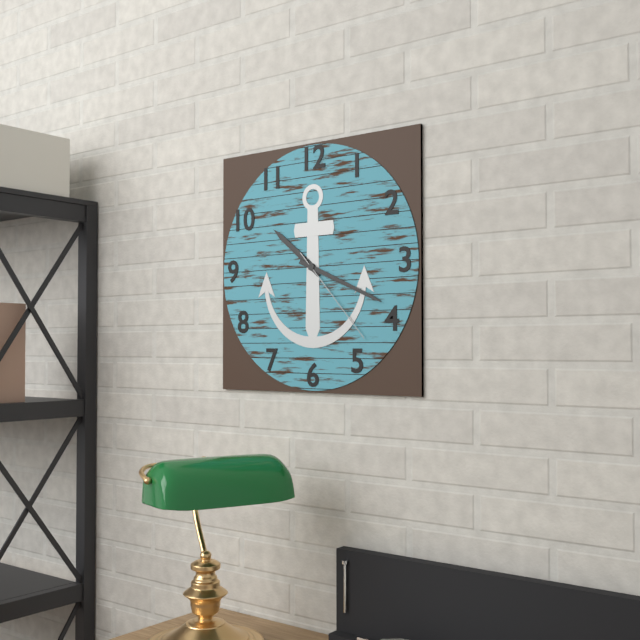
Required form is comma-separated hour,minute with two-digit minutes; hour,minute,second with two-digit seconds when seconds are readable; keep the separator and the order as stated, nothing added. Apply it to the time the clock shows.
10,19,23
